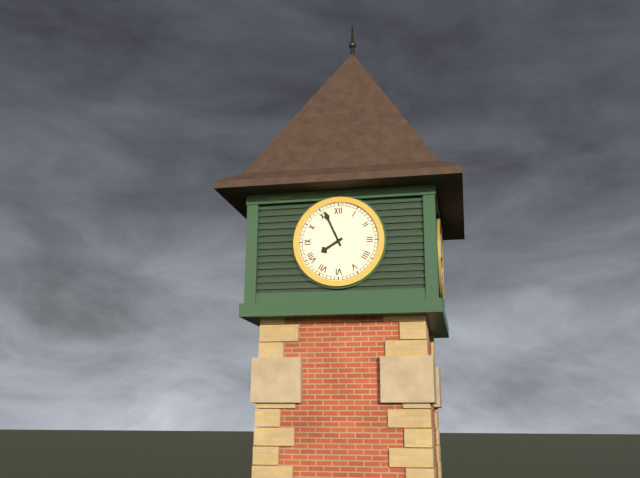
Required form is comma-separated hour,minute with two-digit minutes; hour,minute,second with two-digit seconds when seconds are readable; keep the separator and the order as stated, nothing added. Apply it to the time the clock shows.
7,56
